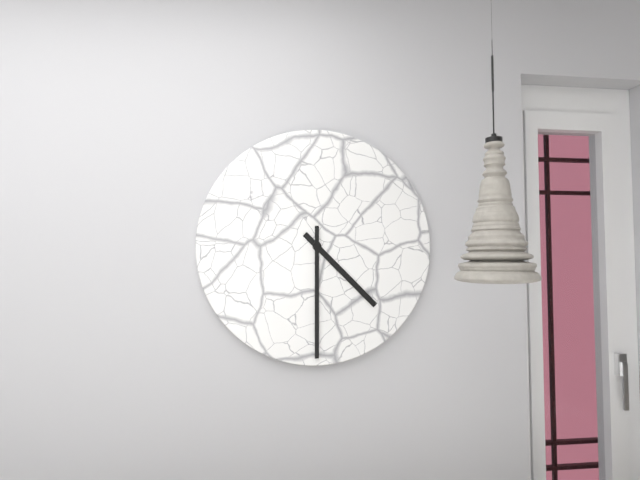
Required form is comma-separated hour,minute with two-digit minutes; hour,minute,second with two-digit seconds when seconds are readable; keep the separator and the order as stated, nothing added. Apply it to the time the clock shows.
4,30
